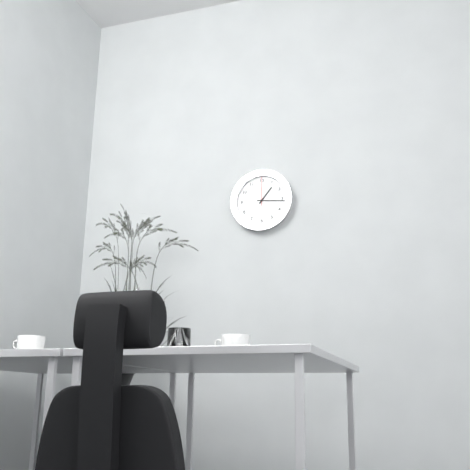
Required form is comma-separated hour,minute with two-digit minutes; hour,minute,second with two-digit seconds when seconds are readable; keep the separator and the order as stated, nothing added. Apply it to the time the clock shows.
1,16
